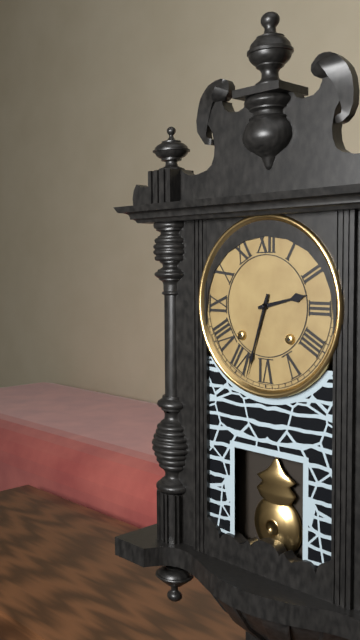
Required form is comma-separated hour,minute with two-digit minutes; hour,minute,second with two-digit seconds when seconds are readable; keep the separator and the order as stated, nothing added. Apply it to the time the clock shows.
2,33
